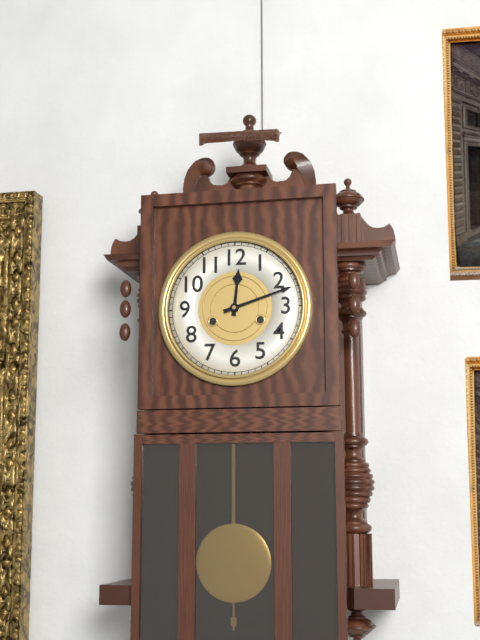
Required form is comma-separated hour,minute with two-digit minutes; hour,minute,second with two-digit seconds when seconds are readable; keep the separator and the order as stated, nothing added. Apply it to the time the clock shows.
12,12
